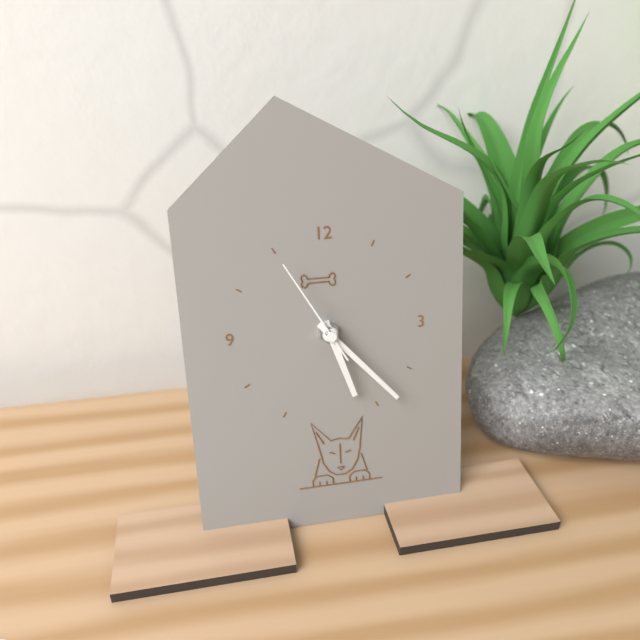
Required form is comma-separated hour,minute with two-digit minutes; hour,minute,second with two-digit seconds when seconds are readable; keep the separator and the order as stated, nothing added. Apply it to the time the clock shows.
5,23,55
